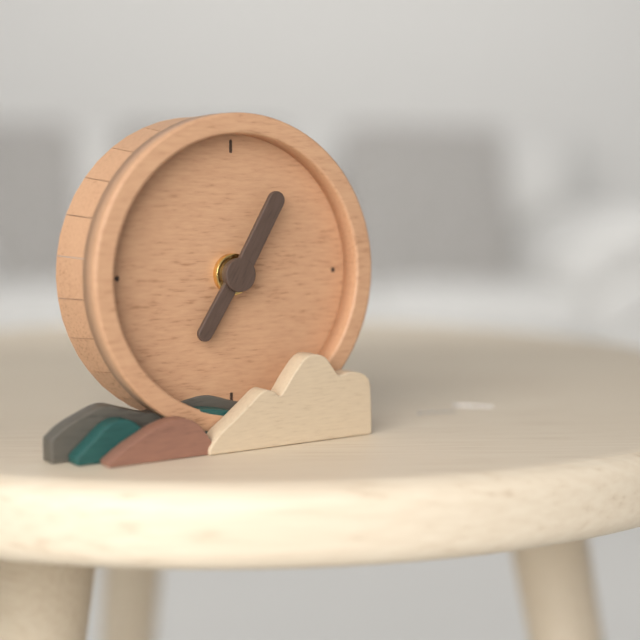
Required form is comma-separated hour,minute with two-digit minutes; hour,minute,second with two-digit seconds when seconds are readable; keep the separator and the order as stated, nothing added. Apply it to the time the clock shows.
7,05
